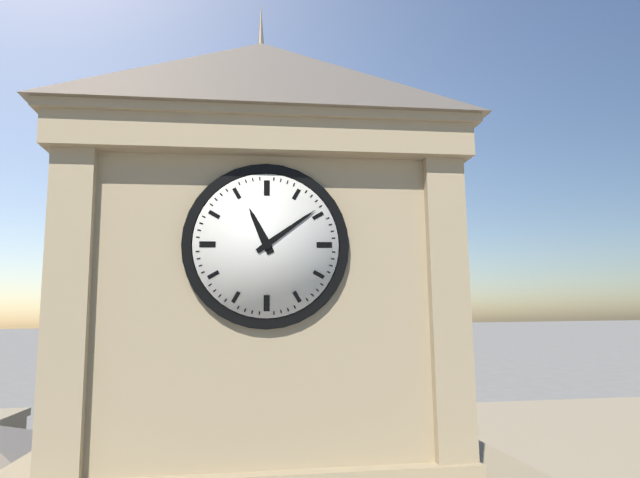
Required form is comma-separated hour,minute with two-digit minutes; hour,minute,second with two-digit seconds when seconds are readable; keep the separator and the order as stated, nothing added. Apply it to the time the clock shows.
11,09
